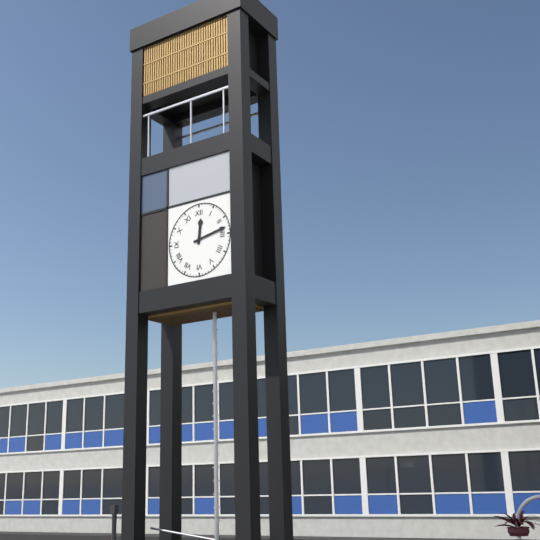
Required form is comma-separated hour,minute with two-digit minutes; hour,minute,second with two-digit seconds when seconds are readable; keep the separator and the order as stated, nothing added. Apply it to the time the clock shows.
12,13
